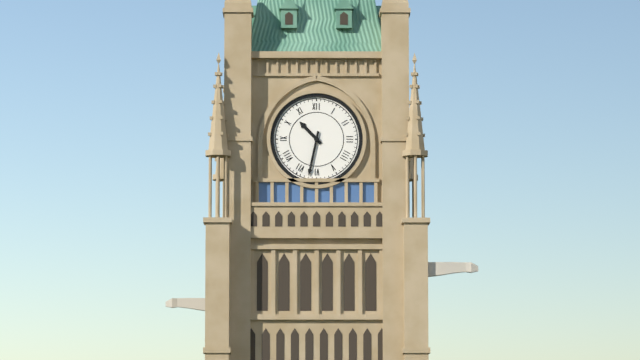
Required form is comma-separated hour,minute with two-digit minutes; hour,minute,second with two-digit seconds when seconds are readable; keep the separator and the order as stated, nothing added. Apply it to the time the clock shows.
10,32
